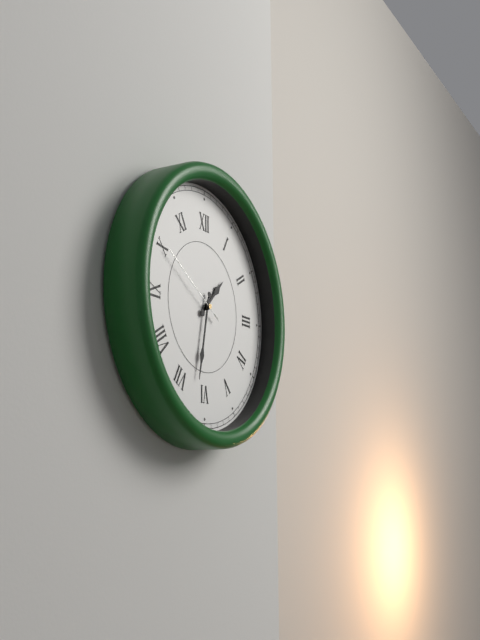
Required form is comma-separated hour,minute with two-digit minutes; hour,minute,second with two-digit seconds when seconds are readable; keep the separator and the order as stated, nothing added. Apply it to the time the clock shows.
1,32,50
